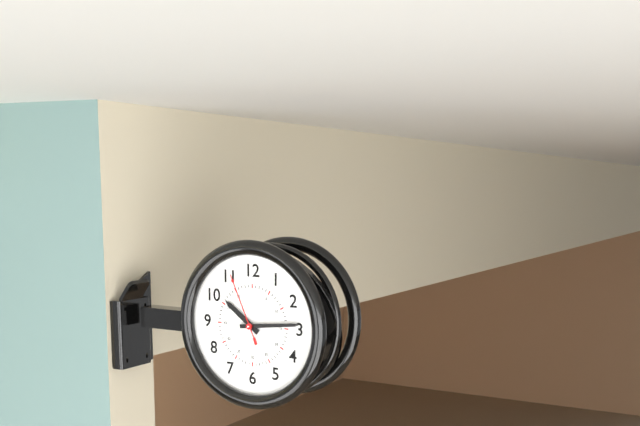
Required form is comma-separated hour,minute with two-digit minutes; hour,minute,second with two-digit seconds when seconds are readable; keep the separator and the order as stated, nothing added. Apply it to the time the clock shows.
10,14,56
